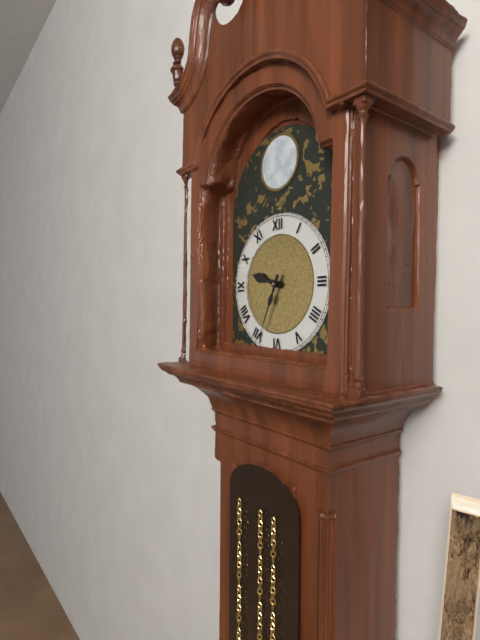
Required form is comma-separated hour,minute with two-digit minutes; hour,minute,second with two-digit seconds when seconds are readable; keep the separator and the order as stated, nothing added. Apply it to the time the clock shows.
9,34
